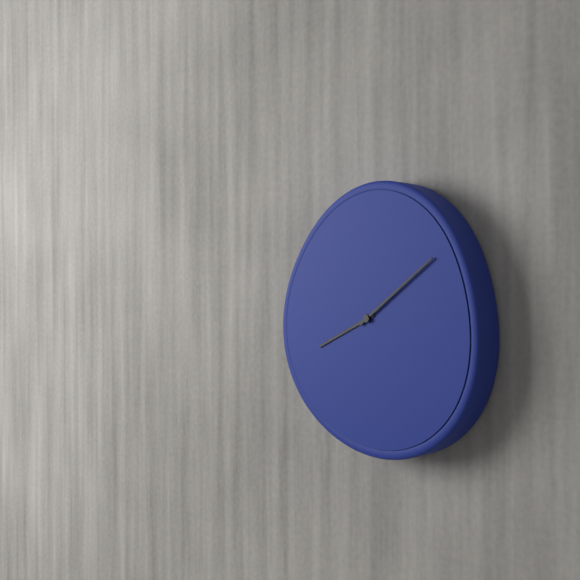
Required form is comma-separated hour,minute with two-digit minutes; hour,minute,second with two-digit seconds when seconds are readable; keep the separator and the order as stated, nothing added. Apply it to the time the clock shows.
8,09
